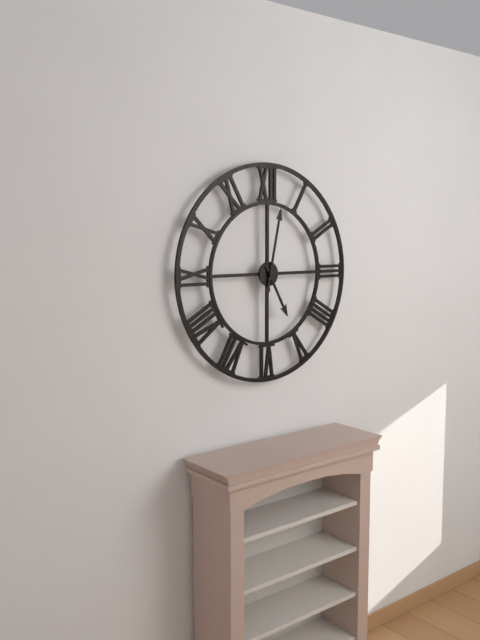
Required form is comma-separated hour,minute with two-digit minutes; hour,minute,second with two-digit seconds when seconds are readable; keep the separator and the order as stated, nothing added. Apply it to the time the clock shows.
5,02
